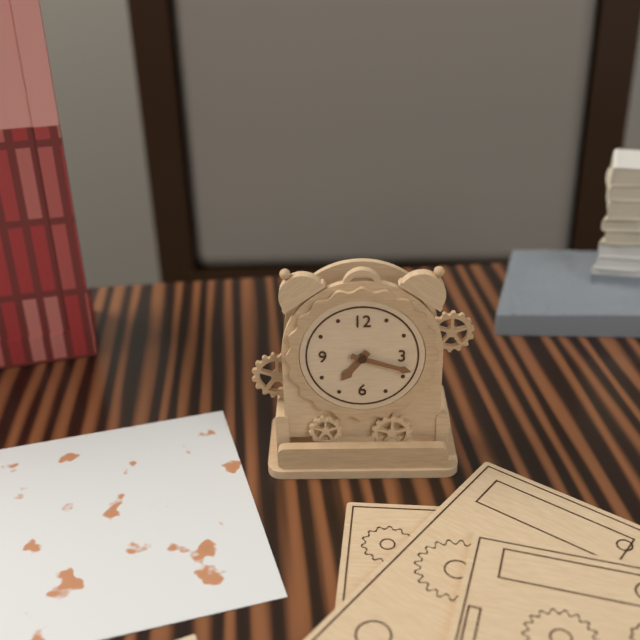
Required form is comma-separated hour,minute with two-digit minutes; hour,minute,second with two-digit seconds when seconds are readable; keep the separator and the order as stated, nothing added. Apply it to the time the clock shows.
7,18
